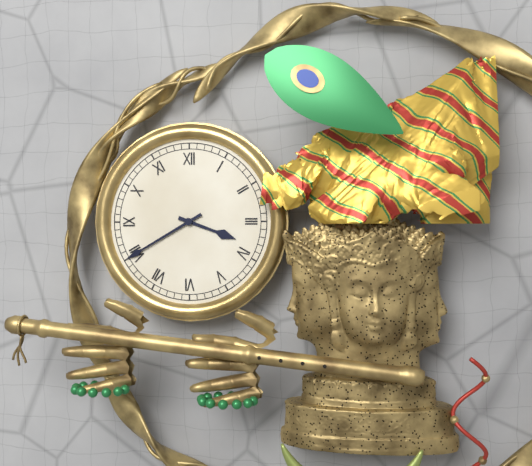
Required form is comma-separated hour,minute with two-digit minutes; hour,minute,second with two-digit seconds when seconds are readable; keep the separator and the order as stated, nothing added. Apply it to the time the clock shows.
3,40
